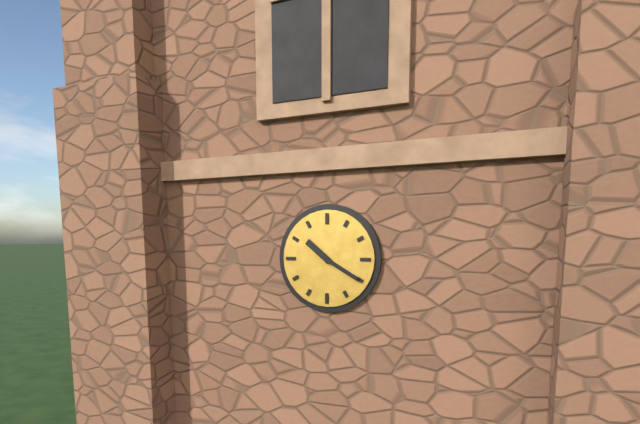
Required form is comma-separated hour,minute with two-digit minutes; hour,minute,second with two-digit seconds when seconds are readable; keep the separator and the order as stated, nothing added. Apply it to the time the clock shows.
10,20
